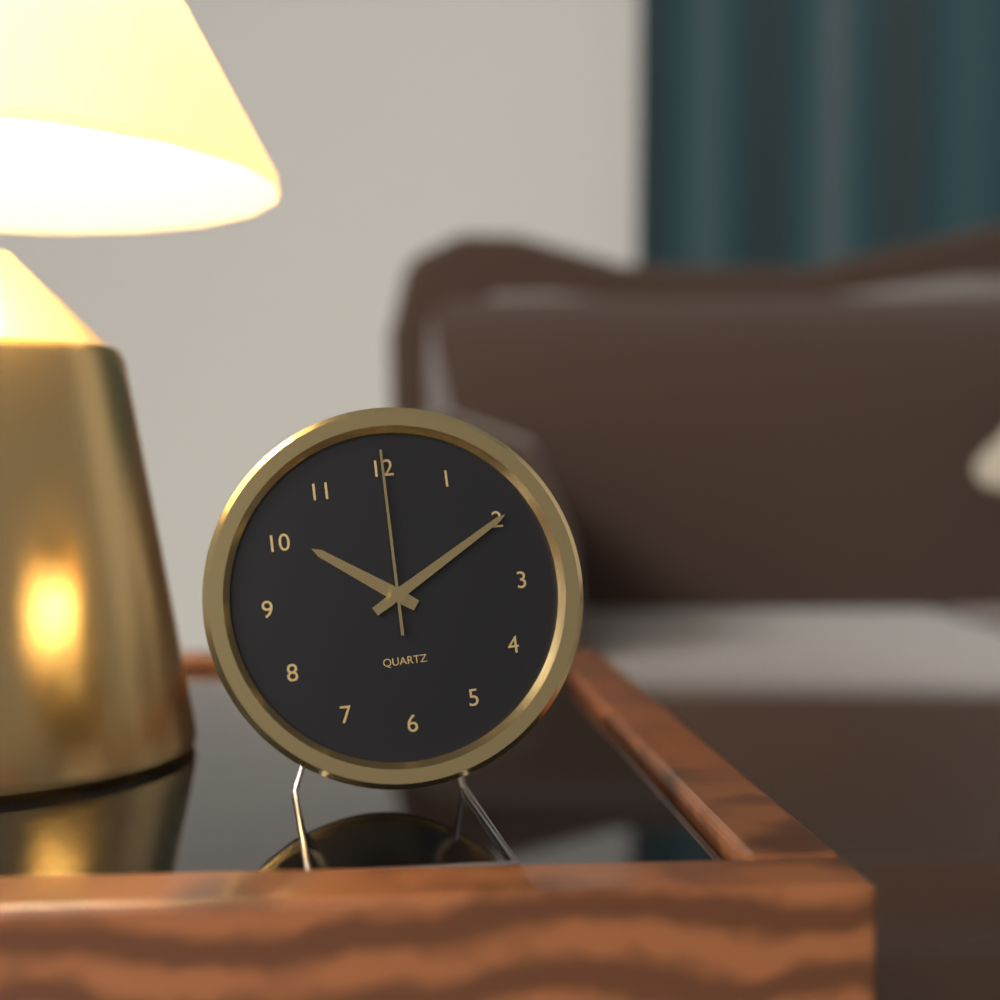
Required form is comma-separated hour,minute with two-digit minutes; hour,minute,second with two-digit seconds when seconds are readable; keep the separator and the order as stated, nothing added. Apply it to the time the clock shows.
10,10,00
